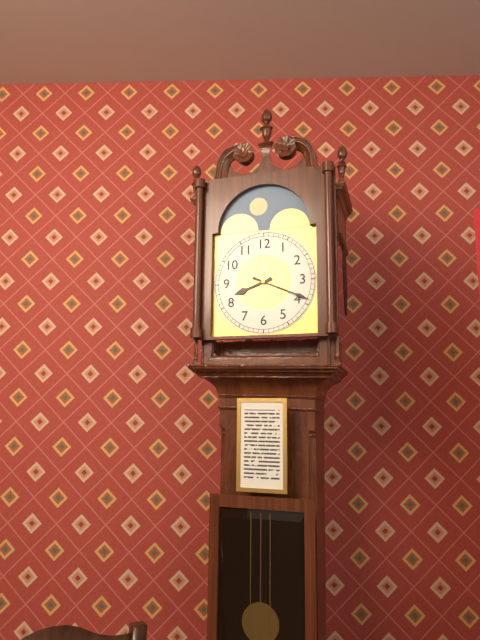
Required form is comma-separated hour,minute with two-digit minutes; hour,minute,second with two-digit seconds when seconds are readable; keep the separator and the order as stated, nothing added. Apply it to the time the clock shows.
8,19
